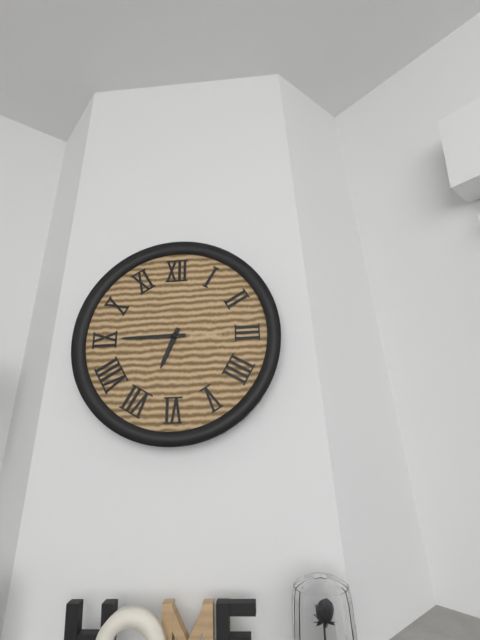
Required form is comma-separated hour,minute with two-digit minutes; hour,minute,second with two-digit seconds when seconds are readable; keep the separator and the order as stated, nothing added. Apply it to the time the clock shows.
6,45
